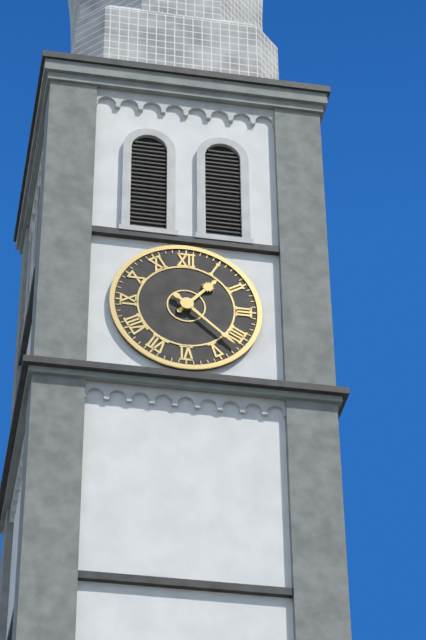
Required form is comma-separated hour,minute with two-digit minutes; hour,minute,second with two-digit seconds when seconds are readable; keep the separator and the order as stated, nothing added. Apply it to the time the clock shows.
1,22
